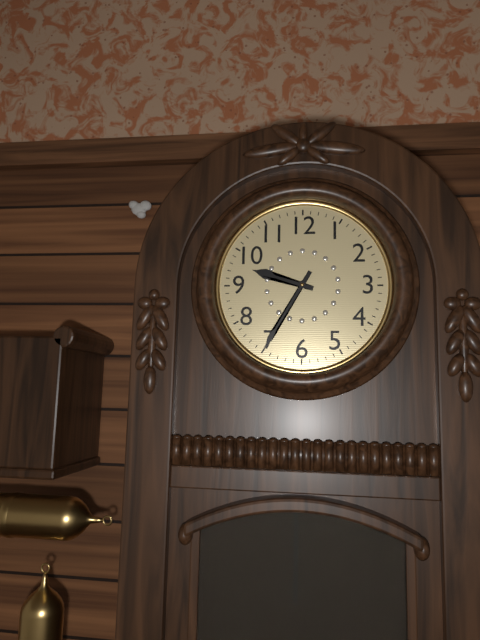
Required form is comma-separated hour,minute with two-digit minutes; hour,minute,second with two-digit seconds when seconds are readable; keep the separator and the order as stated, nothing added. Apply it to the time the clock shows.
9,35
